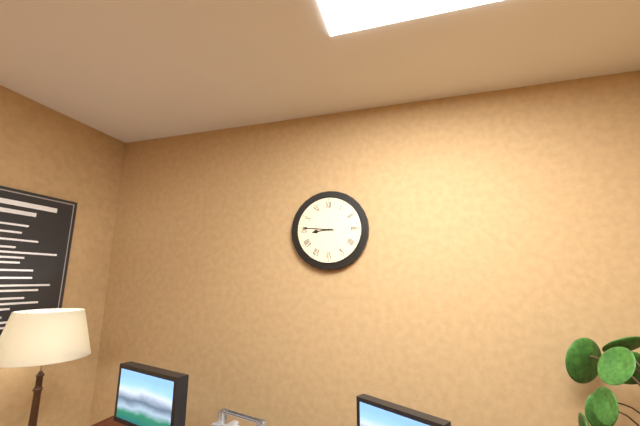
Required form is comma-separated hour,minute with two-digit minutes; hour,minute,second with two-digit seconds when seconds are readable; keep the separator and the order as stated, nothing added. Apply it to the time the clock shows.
8,46
